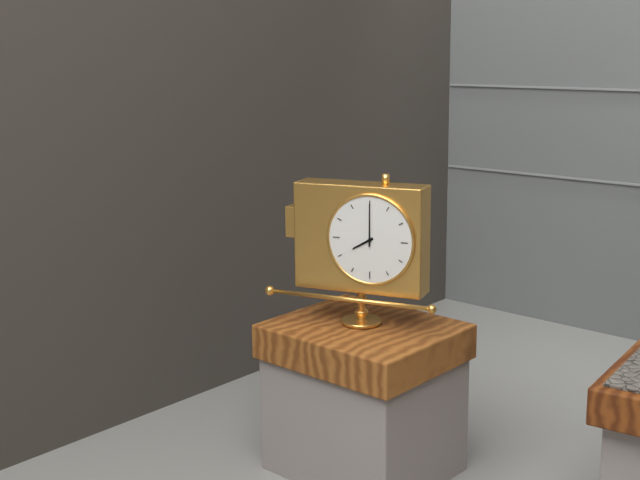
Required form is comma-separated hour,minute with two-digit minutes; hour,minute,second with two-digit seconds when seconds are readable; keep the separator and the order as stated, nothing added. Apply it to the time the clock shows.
8,00
